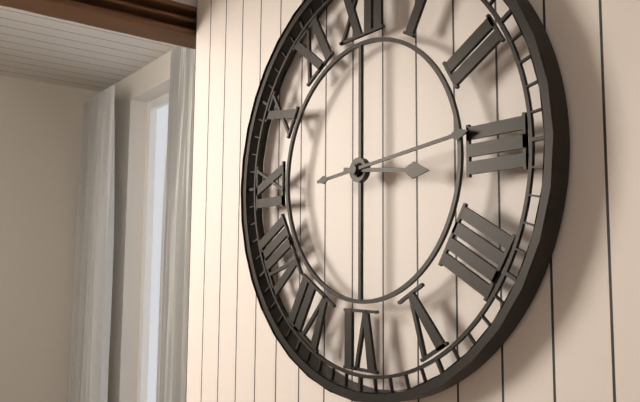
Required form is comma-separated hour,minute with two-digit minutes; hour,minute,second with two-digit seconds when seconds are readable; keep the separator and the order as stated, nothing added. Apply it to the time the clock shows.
3,14
